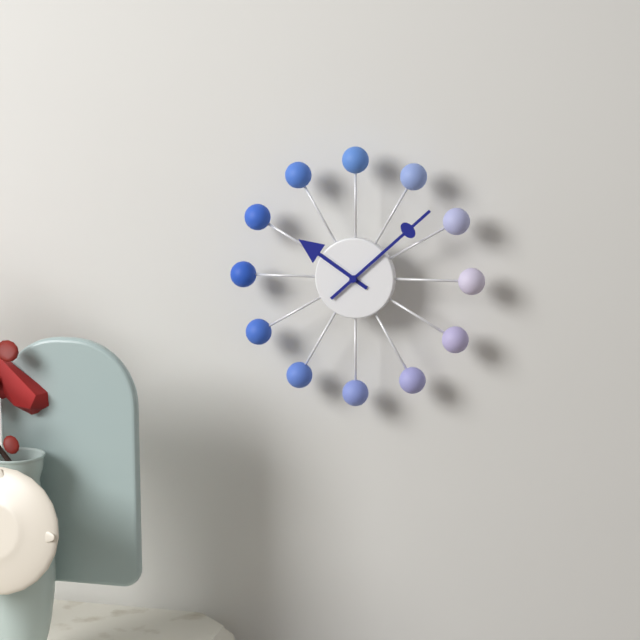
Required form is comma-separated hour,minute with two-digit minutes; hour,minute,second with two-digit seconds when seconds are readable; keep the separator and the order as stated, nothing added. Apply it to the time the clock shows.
10,08
